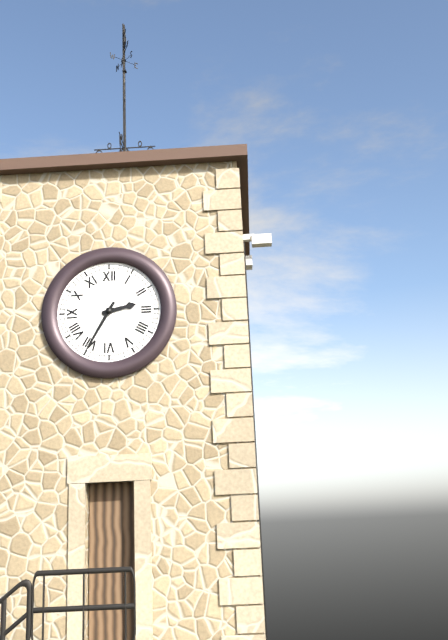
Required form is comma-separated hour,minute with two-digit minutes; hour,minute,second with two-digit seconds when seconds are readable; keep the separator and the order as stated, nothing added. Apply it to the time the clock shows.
2,35
